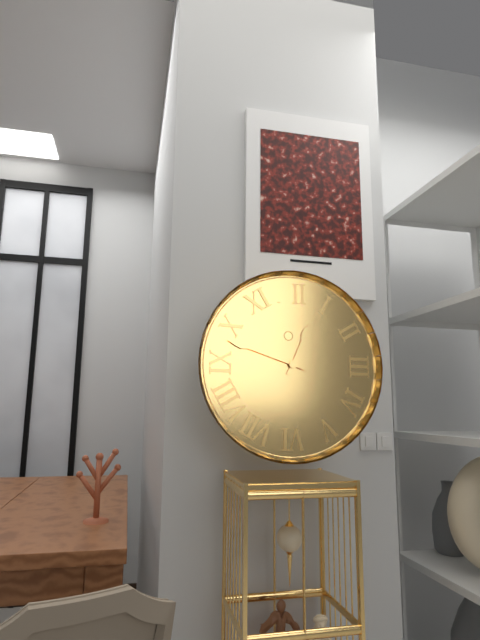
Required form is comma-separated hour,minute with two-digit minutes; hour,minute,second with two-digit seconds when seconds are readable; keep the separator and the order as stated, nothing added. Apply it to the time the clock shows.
12,48
